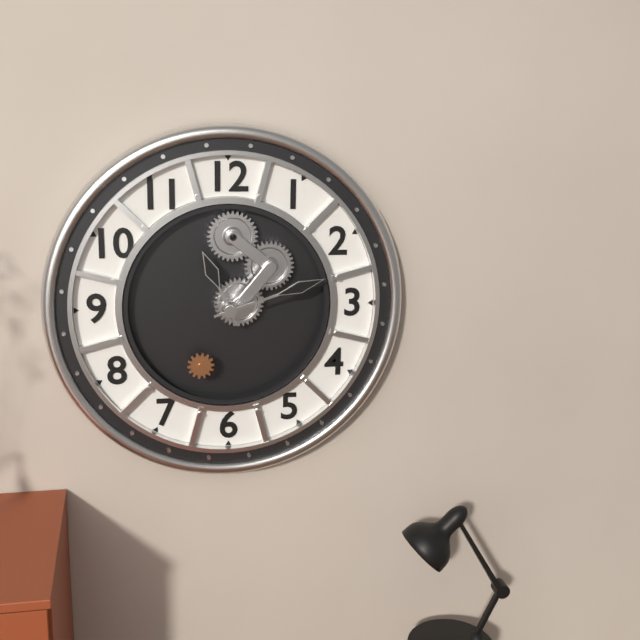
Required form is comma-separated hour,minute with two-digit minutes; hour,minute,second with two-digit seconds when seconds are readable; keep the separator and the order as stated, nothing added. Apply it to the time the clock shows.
11,12
